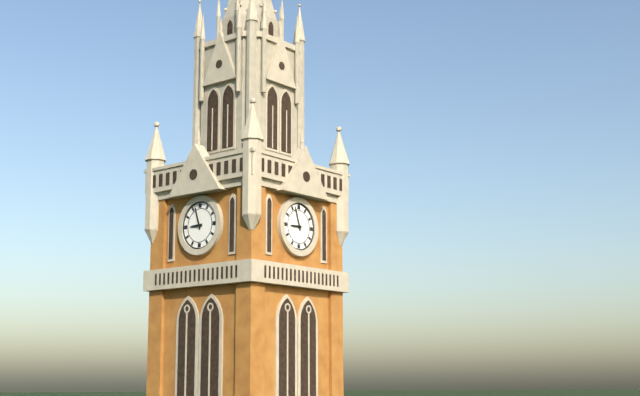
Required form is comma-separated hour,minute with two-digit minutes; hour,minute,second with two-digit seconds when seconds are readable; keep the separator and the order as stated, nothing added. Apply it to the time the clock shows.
8,57
